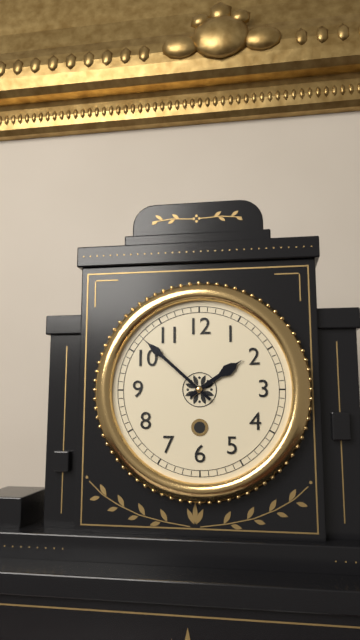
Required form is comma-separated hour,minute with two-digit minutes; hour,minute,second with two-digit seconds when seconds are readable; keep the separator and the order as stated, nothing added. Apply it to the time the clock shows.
1,52
